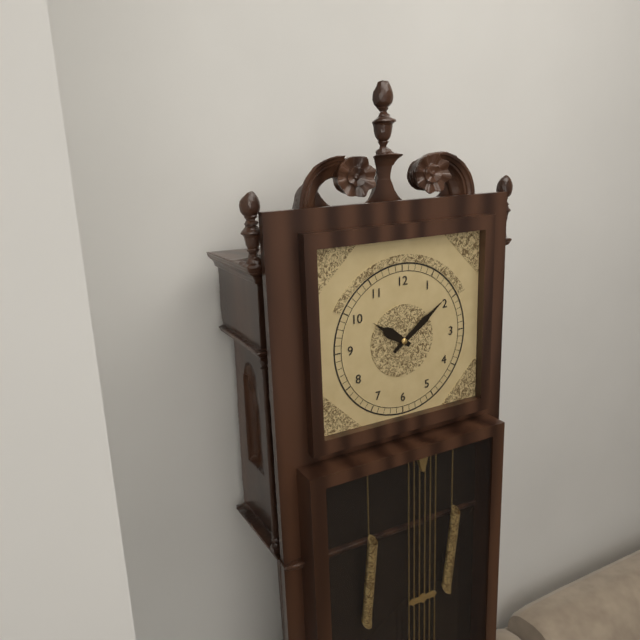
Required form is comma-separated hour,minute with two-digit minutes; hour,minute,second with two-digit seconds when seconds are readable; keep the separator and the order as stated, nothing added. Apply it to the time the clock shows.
10,09
